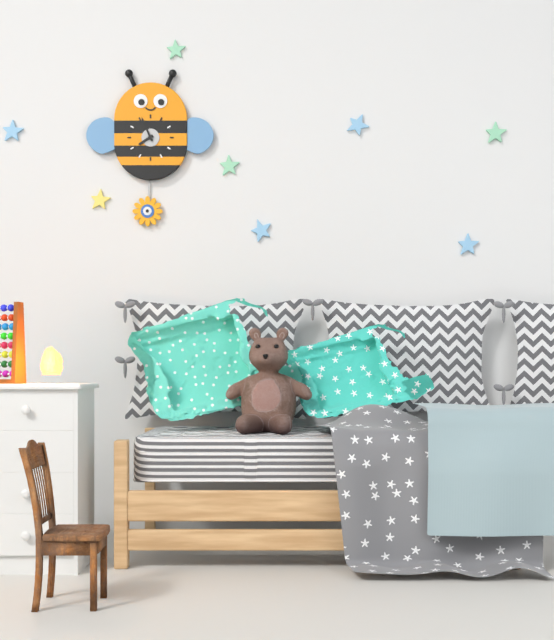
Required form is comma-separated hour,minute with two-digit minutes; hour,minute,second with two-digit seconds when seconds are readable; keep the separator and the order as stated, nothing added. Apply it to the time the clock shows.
7,56
